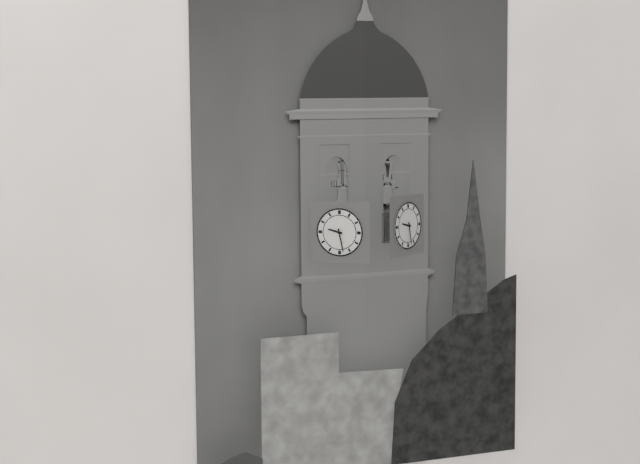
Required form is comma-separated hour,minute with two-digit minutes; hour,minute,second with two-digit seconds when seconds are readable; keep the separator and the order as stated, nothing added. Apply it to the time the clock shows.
9,28
